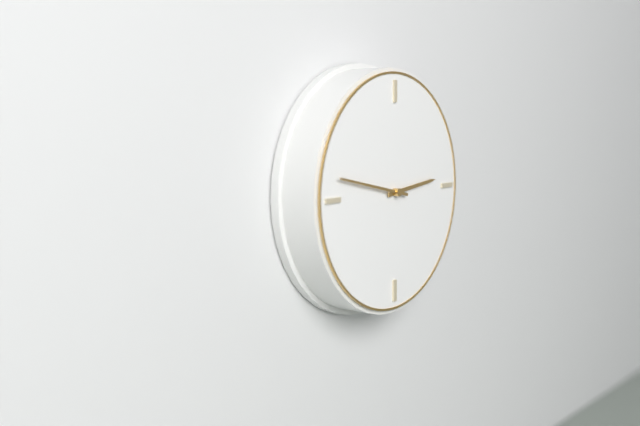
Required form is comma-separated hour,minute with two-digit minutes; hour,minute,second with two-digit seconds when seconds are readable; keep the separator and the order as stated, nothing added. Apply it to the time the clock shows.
2,47
